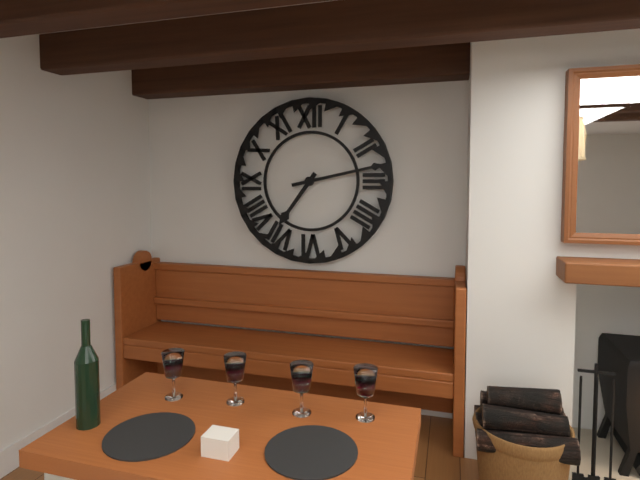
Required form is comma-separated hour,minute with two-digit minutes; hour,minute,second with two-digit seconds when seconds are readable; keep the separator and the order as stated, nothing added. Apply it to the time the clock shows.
7,13
